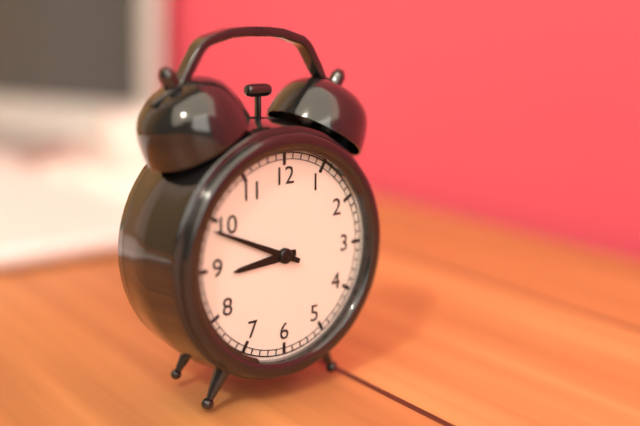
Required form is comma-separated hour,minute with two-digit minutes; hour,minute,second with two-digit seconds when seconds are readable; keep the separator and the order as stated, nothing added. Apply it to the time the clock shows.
8,49
